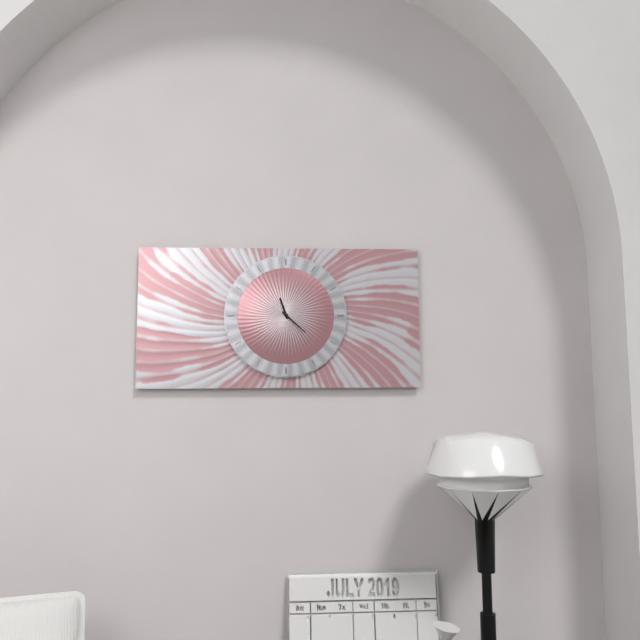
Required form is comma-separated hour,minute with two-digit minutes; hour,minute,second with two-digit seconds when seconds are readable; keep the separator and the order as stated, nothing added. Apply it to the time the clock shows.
11,22
